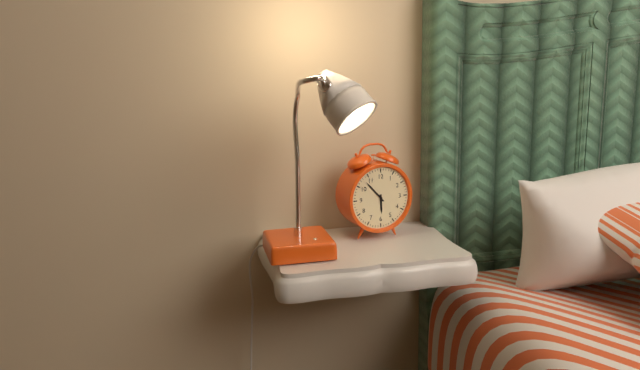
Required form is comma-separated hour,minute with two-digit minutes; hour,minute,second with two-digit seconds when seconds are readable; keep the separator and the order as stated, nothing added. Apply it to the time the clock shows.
5,53
